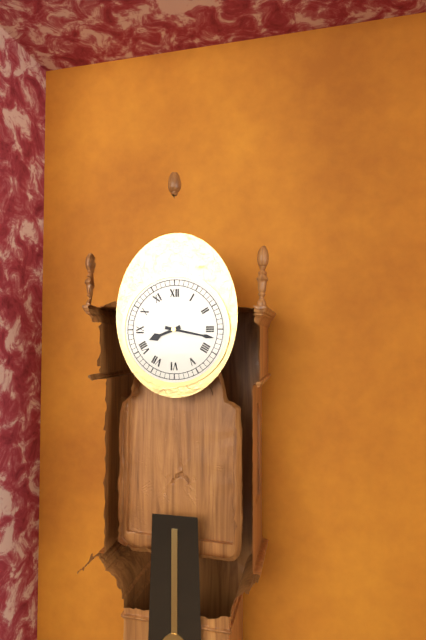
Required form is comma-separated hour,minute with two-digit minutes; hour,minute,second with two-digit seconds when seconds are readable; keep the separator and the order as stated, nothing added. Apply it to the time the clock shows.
8,17
